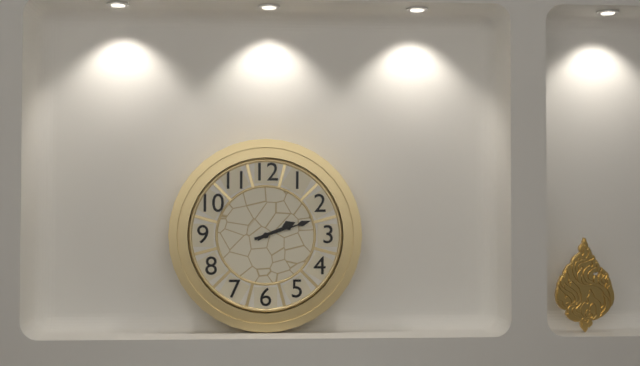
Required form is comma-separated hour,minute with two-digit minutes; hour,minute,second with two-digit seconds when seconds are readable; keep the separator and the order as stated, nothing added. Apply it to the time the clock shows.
2,12
